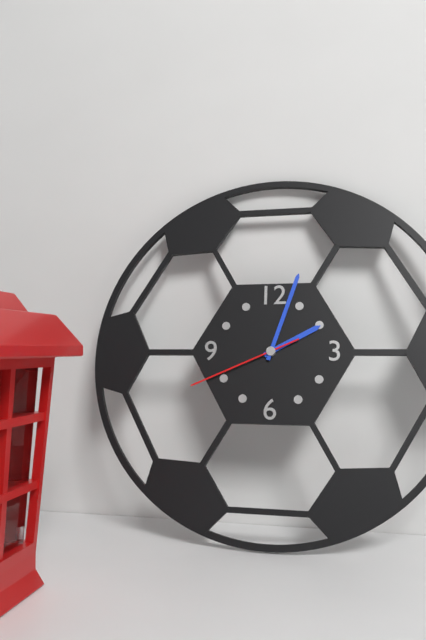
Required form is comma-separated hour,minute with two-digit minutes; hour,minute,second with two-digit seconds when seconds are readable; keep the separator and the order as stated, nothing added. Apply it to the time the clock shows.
2,03,41
